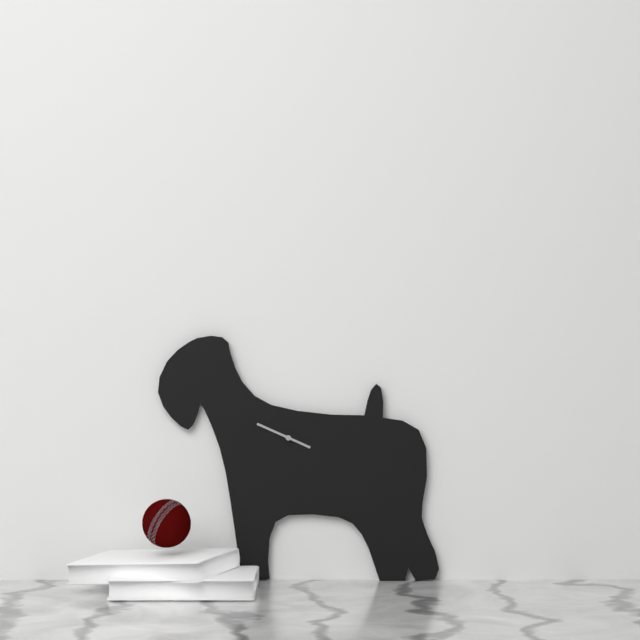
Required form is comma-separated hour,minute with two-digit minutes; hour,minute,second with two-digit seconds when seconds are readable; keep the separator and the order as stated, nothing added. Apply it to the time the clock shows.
3,49
